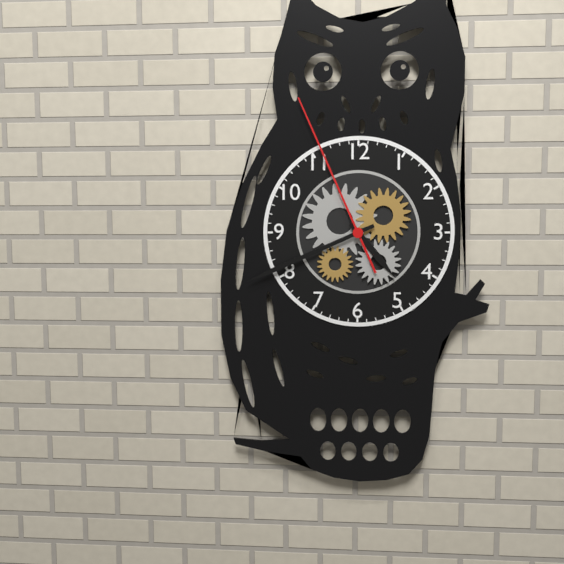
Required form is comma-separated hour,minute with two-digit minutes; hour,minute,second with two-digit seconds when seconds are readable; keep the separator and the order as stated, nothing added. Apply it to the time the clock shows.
4,41,56
